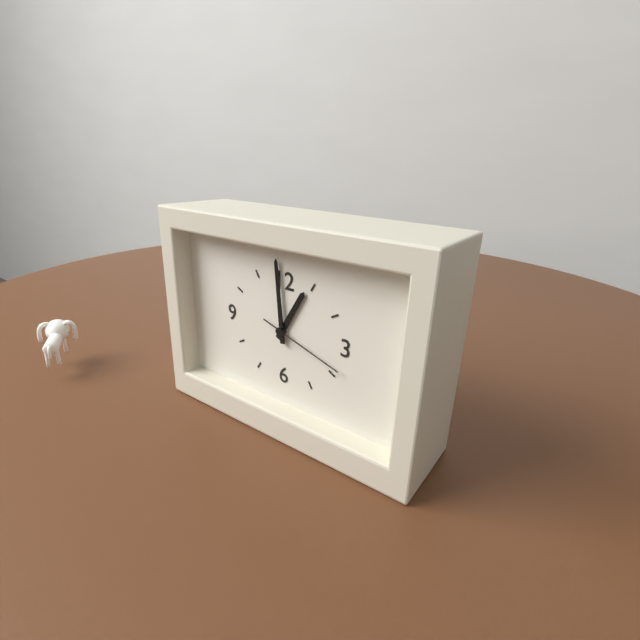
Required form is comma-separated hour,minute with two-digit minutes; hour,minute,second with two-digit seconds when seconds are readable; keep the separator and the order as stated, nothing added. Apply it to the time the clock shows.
12,59,18
